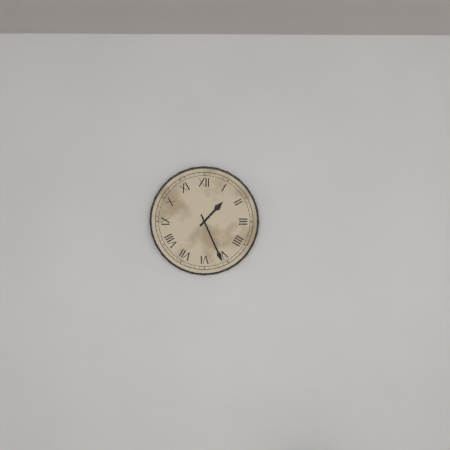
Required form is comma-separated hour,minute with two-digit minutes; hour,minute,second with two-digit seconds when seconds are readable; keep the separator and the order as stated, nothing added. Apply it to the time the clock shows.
1,26
